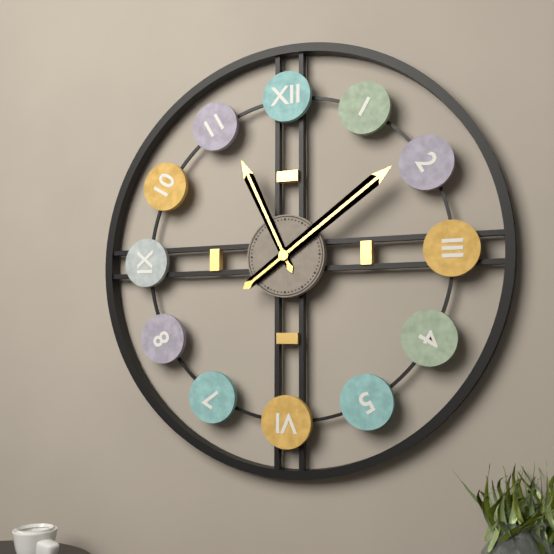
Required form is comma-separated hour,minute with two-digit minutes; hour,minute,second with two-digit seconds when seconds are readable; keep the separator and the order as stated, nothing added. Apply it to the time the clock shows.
11,09
